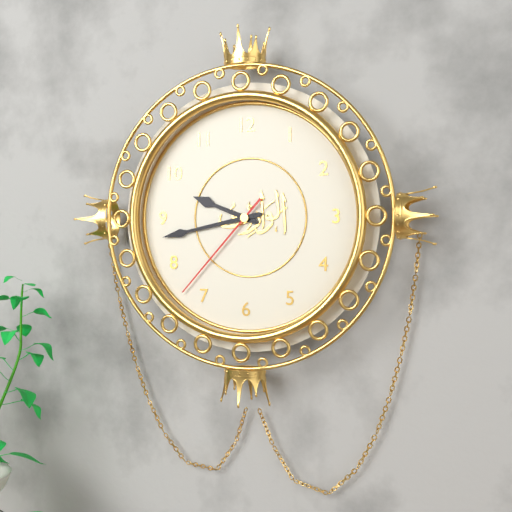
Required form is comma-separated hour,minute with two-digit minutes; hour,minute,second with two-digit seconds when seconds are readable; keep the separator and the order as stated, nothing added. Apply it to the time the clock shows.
9,43,37
